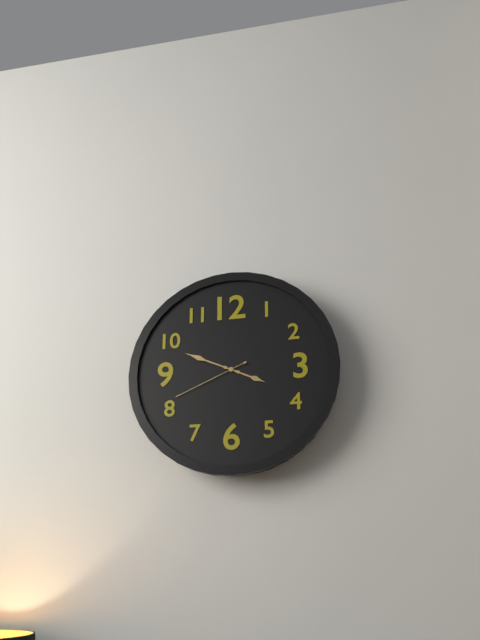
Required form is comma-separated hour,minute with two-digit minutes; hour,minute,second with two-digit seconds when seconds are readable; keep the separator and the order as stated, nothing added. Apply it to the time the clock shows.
3,49,41
